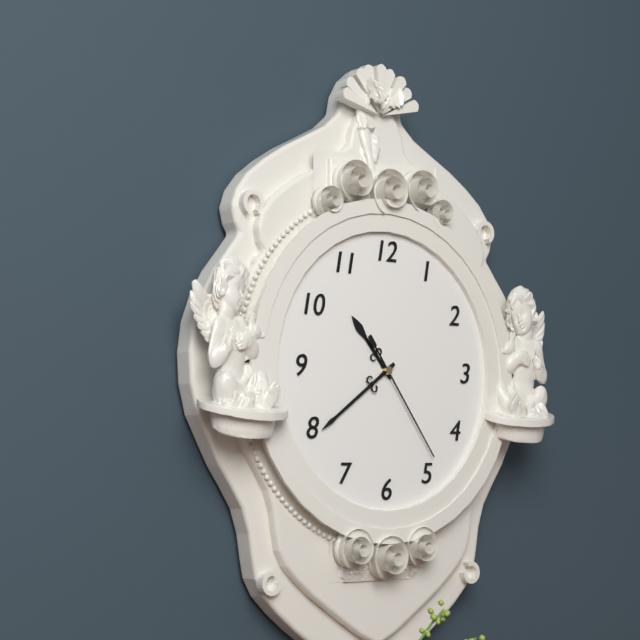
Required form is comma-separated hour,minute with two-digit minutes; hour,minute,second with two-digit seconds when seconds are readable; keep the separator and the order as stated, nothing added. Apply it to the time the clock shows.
10,39,24
